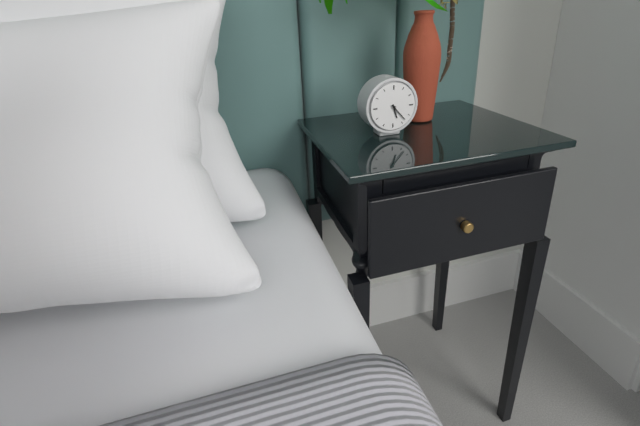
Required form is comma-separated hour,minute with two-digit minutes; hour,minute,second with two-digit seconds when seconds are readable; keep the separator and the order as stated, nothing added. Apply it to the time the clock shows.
5,23
